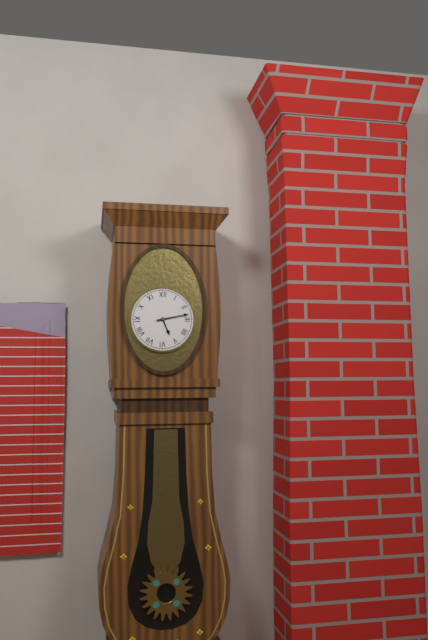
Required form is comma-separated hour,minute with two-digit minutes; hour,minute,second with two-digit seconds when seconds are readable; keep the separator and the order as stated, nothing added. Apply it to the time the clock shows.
5,13
